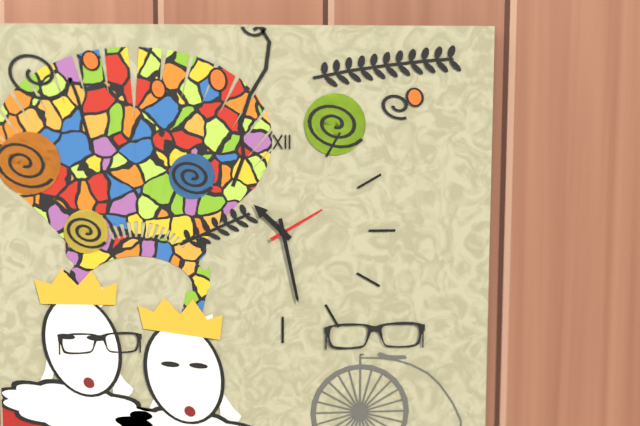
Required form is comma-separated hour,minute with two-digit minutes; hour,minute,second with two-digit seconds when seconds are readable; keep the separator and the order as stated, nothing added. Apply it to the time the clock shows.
10,28,10
